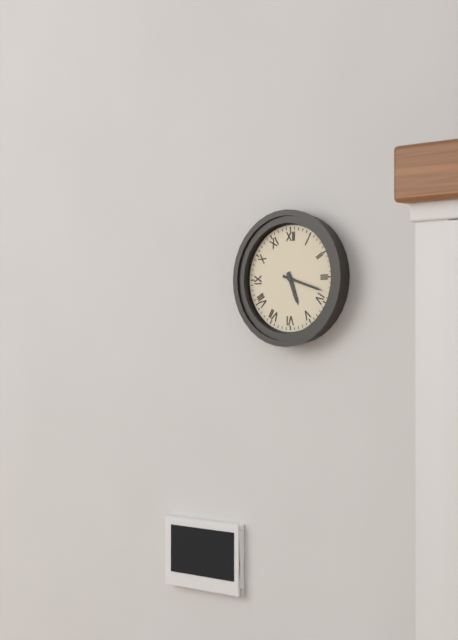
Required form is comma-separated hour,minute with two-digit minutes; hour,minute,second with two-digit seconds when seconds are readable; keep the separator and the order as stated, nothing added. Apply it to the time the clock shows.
5,18
